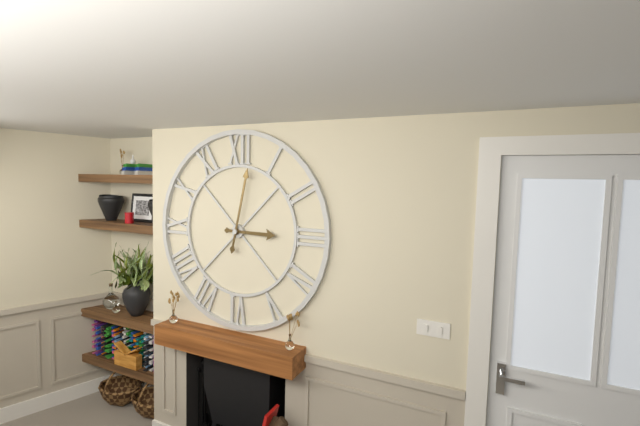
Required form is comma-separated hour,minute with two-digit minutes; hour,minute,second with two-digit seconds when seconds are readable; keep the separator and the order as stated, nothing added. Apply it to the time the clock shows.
3,02
